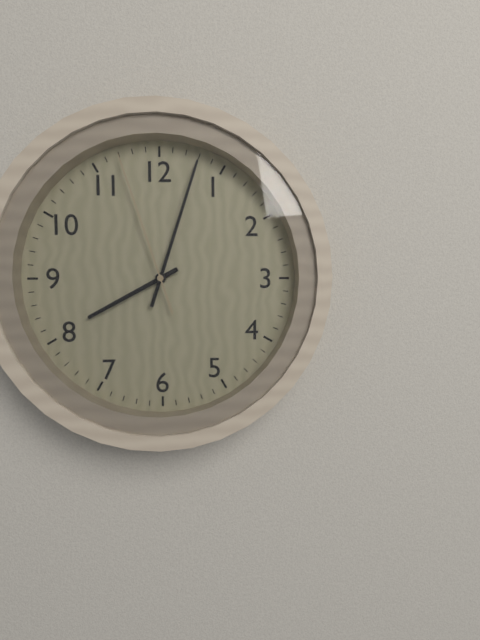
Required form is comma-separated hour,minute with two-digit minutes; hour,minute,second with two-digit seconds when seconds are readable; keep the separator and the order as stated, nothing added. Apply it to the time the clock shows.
8,03,57
